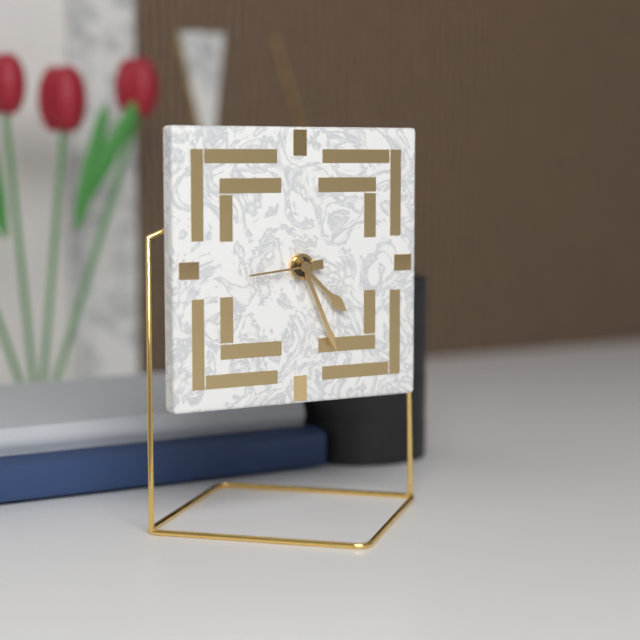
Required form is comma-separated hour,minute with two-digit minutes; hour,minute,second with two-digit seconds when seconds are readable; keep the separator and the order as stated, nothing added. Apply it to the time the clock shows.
4,26,44
